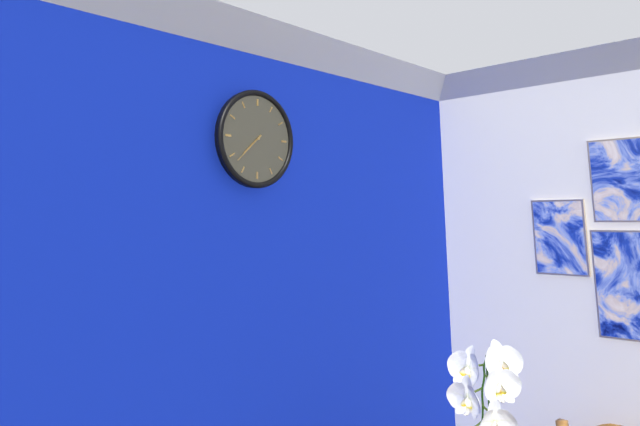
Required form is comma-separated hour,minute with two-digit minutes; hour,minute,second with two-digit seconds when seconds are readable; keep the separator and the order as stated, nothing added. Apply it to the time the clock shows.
7,38
